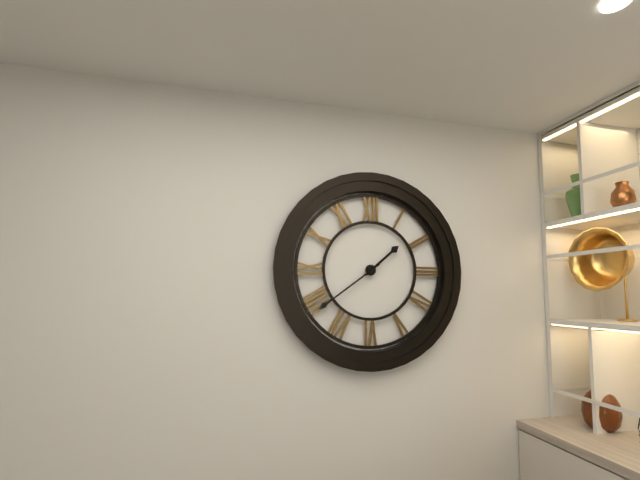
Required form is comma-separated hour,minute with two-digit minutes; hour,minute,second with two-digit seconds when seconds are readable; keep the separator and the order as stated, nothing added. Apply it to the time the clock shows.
1,39
